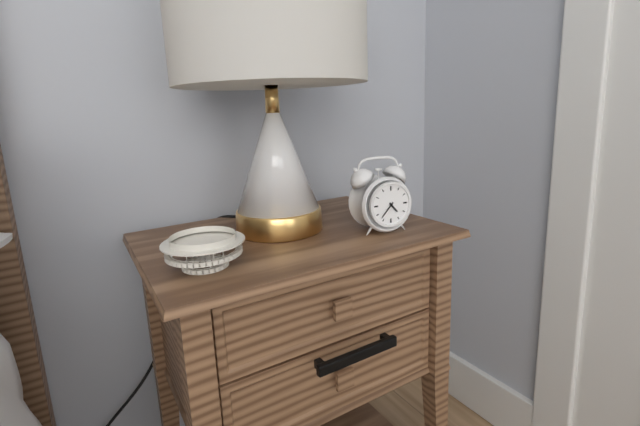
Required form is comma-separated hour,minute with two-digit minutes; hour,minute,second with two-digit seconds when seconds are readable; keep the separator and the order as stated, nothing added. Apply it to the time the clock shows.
4,37
